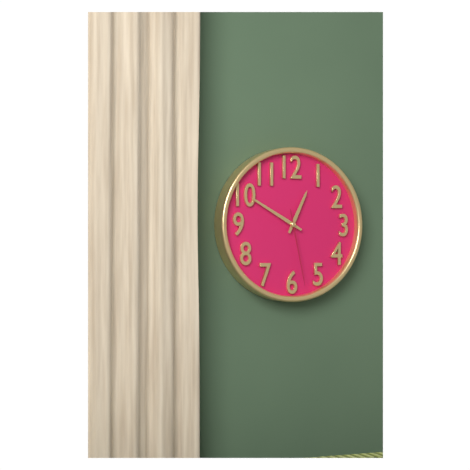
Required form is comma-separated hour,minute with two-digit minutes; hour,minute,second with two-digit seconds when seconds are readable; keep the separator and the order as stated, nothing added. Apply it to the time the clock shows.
12,50,28
